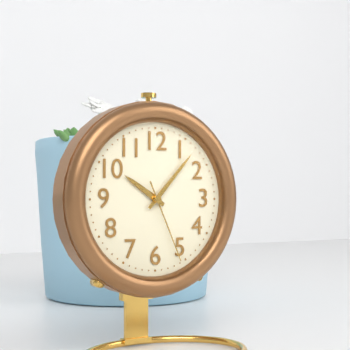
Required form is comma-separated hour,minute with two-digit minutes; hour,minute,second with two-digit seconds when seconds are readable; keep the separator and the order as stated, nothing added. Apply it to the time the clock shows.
10,07,26
